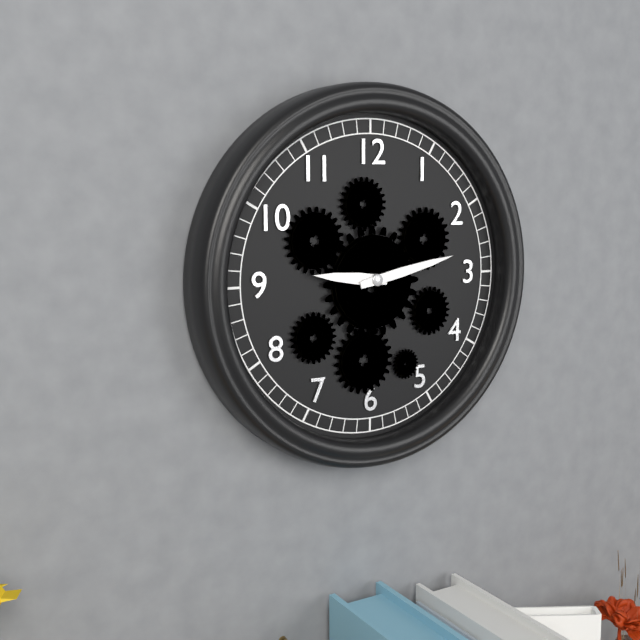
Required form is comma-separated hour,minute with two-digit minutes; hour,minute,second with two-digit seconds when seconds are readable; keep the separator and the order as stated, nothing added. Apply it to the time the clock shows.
9,13
